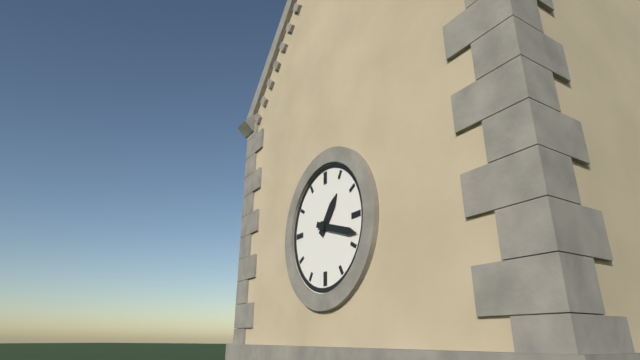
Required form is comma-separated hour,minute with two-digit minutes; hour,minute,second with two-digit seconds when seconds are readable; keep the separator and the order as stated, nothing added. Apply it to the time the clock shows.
1,18
